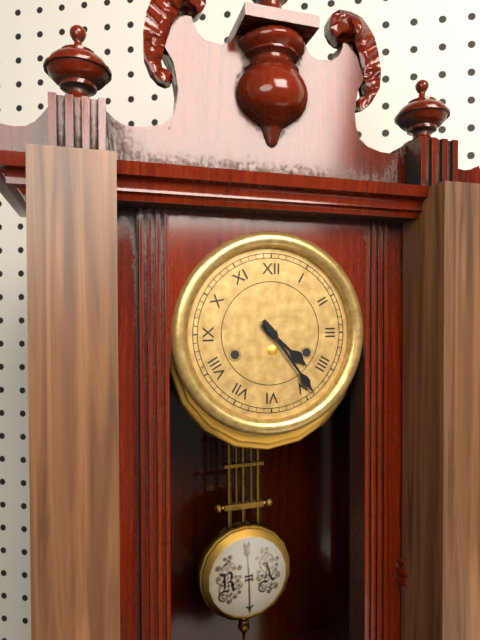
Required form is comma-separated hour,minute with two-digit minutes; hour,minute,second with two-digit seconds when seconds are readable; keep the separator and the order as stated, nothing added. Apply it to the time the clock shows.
4,24
